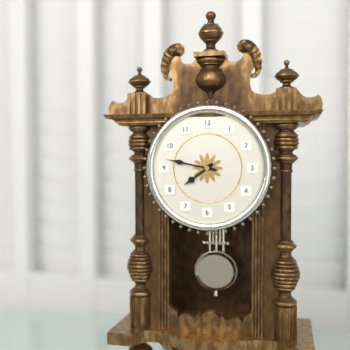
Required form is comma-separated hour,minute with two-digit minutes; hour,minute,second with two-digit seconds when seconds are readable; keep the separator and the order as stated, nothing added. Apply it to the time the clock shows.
7,47
